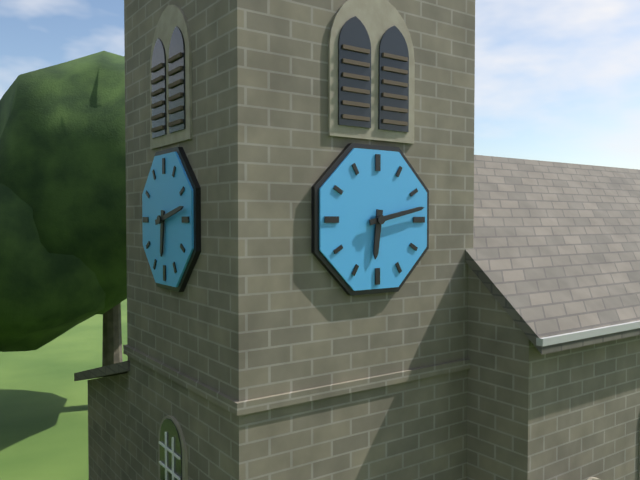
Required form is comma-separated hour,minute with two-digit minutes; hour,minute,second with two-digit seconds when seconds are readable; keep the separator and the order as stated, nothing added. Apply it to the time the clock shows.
6,13
